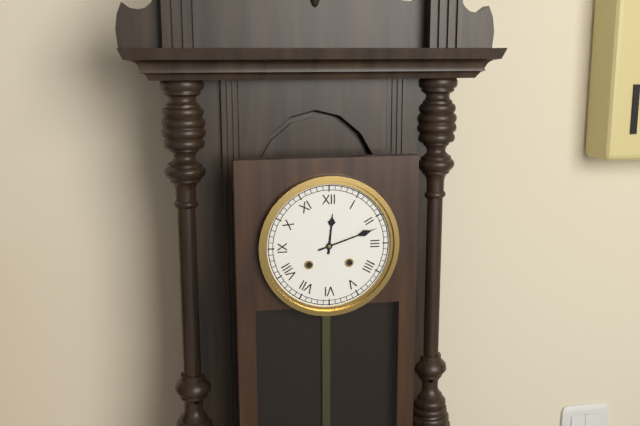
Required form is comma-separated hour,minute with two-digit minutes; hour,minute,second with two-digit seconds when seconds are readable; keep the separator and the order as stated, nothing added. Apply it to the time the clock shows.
12,12
